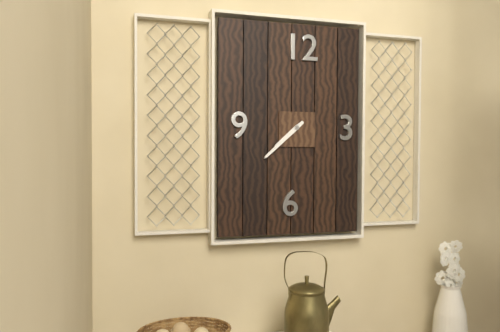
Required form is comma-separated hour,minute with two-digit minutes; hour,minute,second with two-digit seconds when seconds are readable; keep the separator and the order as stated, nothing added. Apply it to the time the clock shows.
7,38
